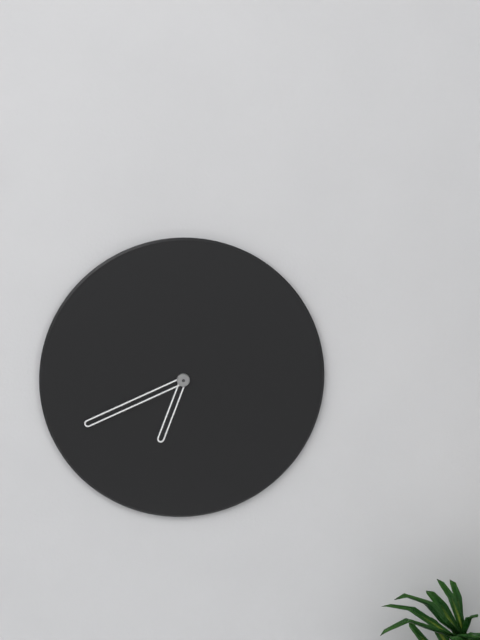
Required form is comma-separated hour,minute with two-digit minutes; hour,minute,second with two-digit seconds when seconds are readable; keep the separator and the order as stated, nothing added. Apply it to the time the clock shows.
6,41
